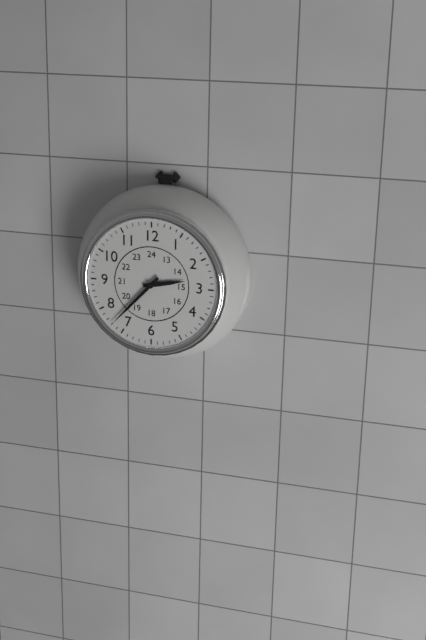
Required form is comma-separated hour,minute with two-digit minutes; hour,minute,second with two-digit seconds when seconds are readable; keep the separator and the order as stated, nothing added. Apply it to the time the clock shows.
2,37
